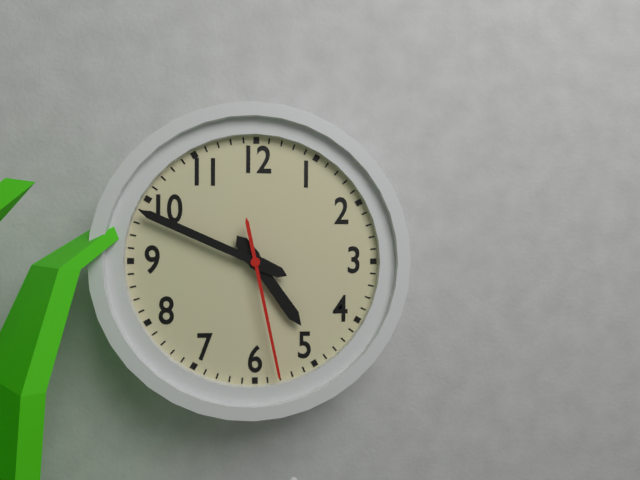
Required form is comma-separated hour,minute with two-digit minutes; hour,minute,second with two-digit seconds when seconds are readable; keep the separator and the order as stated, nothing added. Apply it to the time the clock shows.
4,49,28
